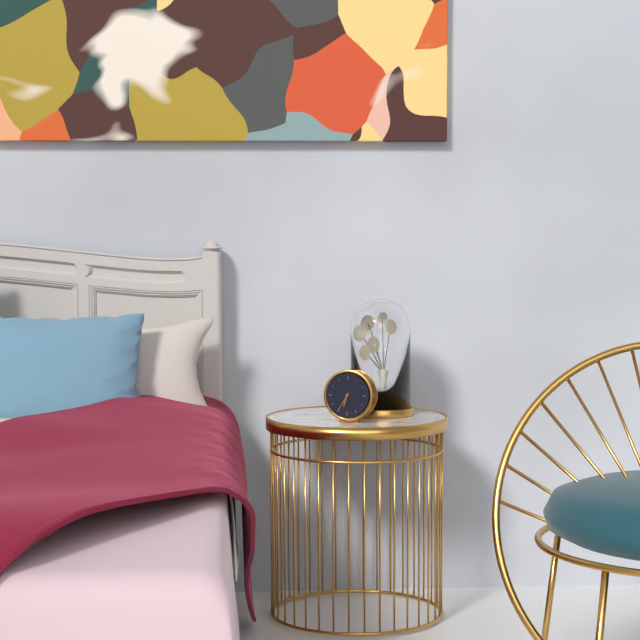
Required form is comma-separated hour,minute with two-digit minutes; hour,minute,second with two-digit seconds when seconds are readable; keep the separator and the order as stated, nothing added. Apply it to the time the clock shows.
6,35
